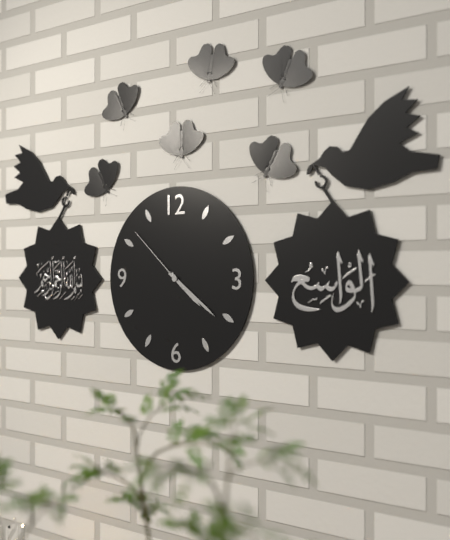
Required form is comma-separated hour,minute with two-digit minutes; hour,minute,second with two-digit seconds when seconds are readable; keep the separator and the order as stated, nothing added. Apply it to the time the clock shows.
4,21,52
